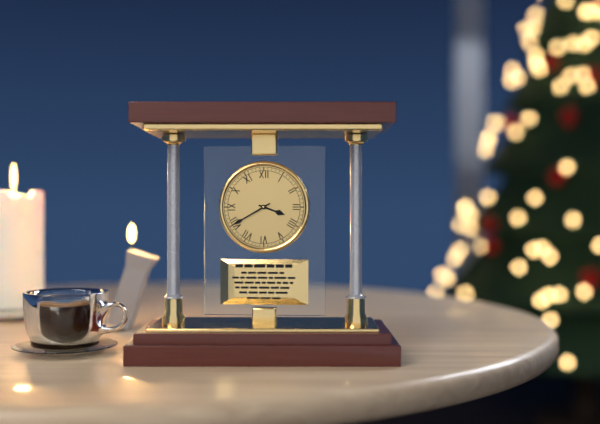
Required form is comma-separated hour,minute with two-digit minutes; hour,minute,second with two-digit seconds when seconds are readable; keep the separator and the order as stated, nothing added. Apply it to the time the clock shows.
3,40
